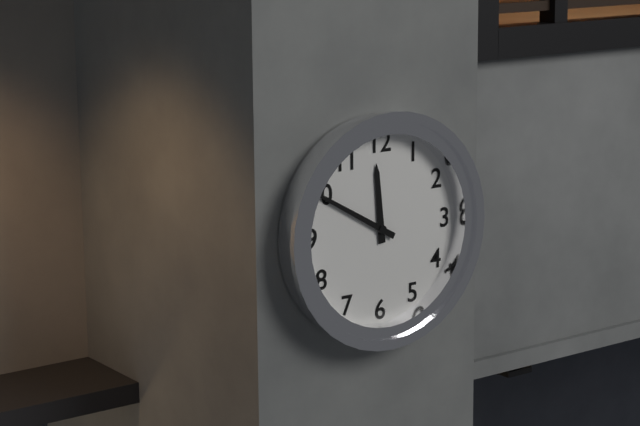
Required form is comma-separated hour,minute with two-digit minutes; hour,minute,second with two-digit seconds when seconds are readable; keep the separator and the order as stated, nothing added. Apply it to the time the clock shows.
11,50
